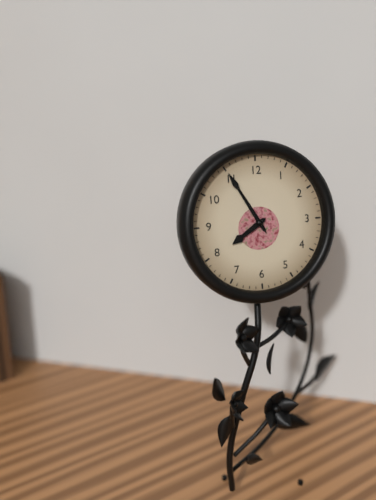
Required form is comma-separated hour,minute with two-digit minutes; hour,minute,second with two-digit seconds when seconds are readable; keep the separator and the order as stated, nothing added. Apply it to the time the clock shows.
7,55
